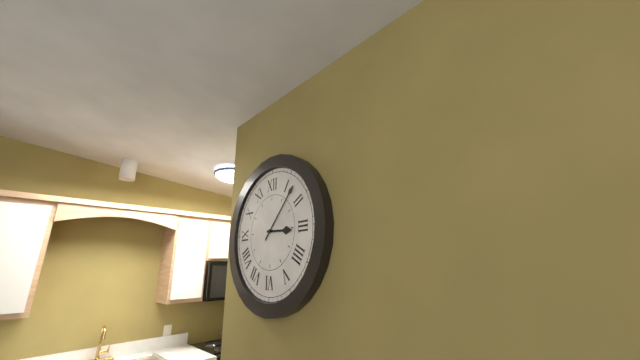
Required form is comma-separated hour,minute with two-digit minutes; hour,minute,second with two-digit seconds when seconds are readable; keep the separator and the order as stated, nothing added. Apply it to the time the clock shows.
3,07
